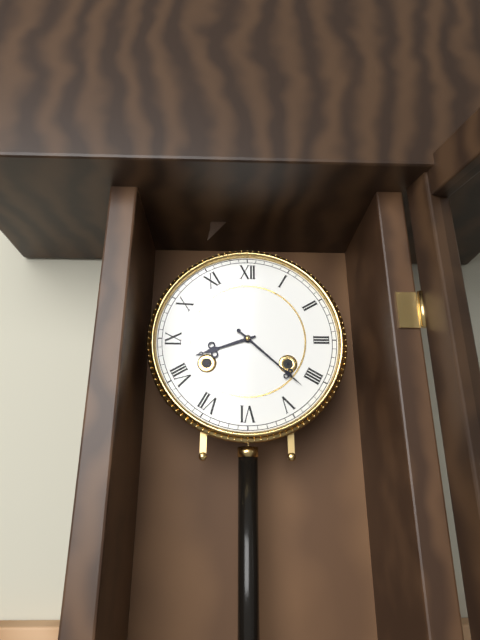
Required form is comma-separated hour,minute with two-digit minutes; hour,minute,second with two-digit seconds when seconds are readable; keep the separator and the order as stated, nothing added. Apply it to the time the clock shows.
8,22
